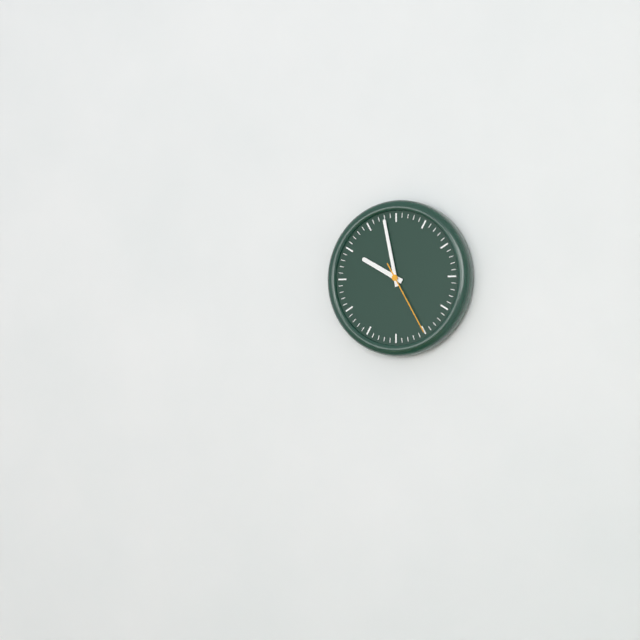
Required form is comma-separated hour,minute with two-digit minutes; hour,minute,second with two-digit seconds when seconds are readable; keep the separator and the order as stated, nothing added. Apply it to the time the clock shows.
9,58,25
